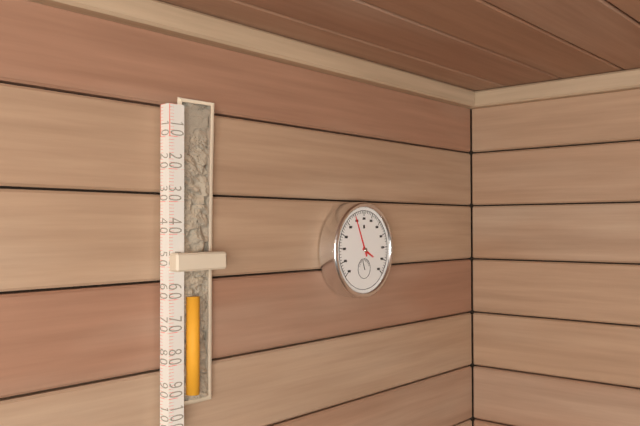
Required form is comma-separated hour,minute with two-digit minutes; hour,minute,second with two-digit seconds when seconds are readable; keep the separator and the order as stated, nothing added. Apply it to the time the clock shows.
3,56
